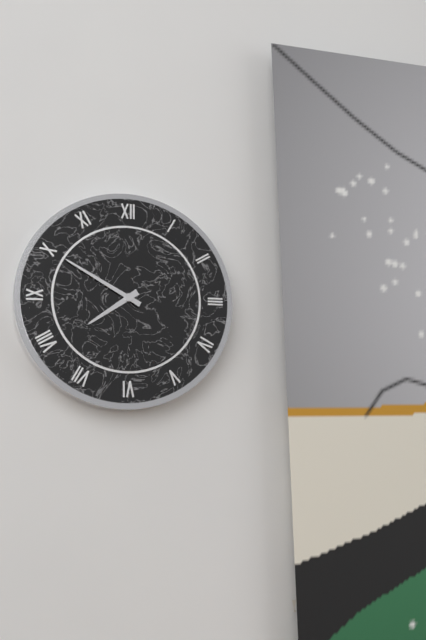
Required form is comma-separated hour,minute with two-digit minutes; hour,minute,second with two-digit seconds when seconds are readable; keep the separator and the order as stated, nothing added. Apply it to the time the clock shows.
7,50
